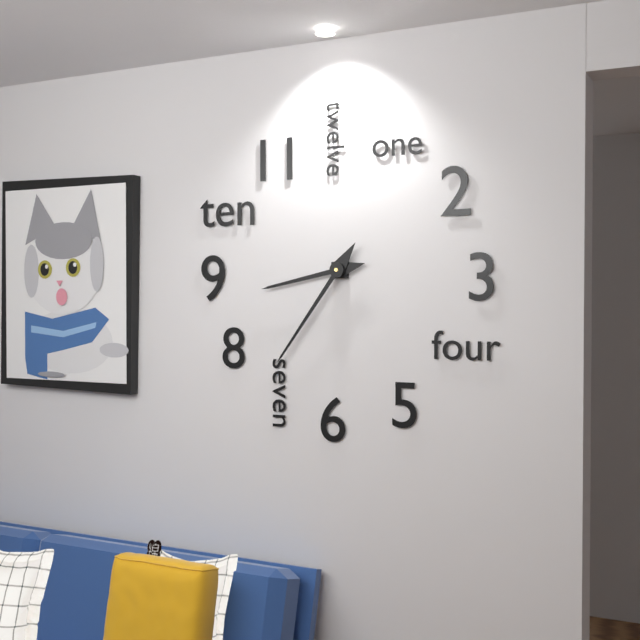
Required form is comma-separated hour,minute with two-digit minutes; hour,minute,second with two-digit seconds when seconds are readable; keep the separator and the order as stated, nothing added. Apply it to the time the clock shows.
8,36
